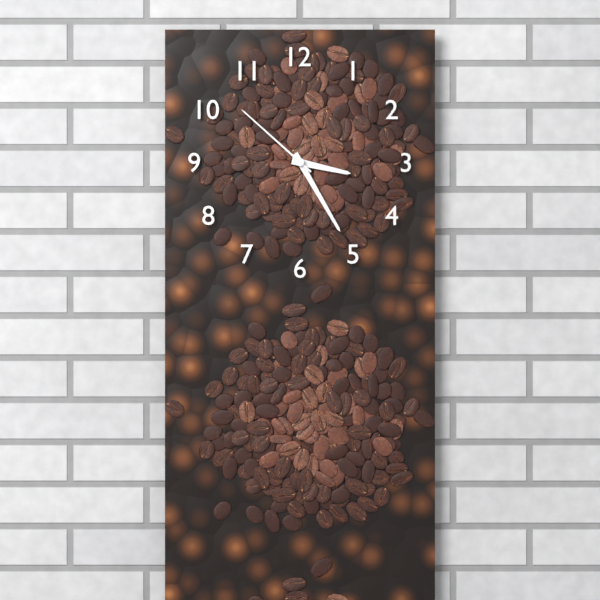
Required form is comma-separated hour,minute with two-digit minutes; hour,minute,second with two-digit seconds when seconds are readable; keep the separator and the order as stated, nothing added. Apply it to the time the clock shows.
3,25,52
